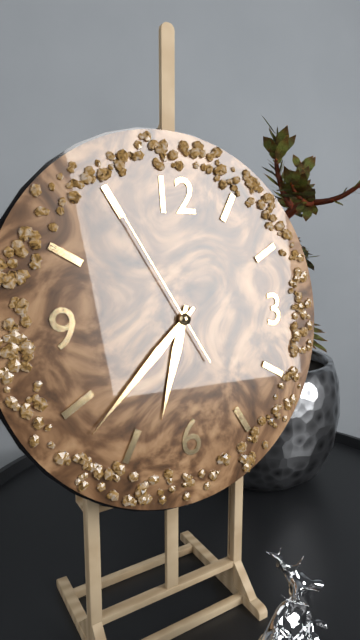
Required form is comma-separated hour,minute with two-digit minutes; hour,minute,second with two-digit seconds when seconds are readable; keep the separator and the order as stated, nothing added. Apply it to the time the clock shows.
6,38,55
